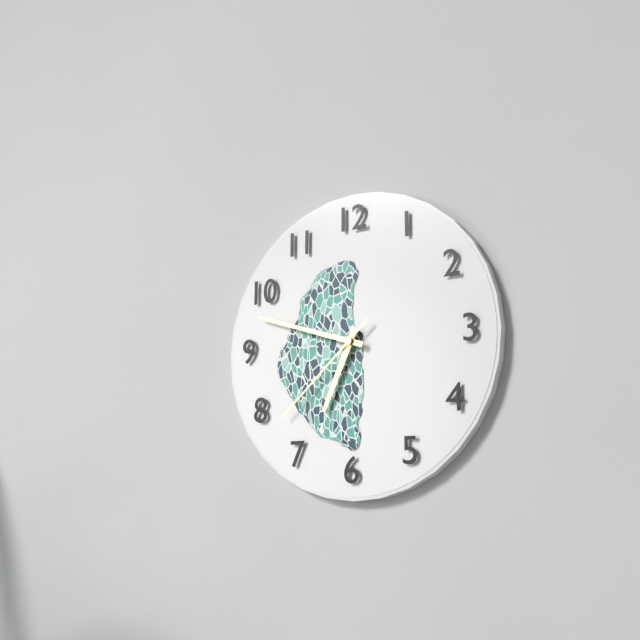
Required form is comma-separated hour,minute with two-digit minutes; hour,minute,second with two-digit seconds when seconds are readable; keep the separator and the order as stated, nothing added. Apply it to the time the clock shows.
6,48,38
